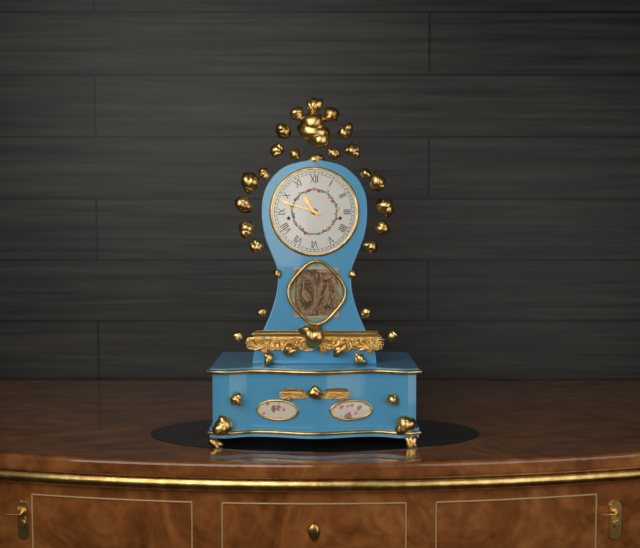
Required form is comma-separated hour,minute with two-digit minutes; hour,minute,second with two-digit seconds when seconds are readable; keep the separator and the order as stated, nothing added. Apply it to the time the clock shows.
10,48
